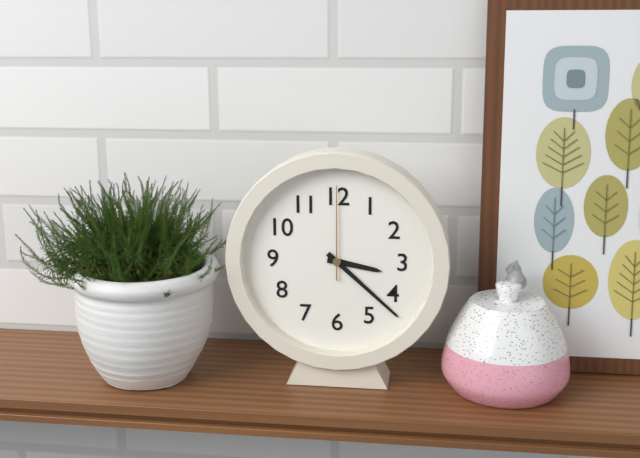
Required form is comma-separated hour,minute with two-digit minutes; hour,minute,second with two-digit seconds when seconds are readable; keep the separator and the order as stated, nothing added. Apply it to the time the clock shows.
3,22,00
